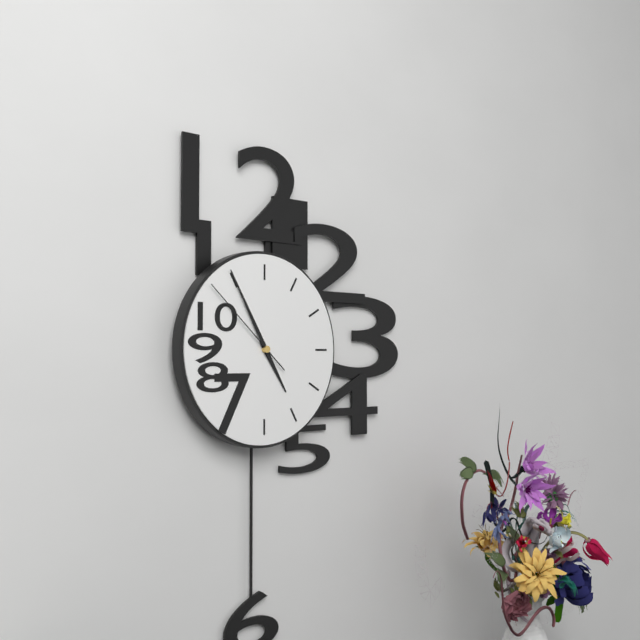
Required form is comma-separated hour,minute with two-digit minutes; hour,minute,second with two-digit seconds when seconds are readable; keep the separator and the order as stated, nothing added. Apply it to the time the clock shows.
4,55,52
